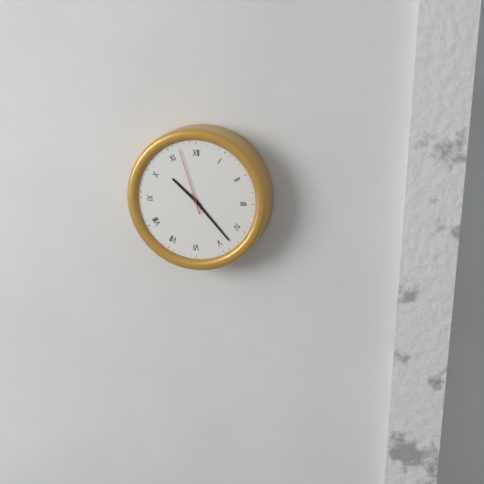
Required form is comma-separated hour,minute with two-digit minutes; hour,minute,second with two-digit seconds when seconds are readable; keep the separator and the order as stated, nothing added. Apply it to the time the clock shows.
10,23,57
